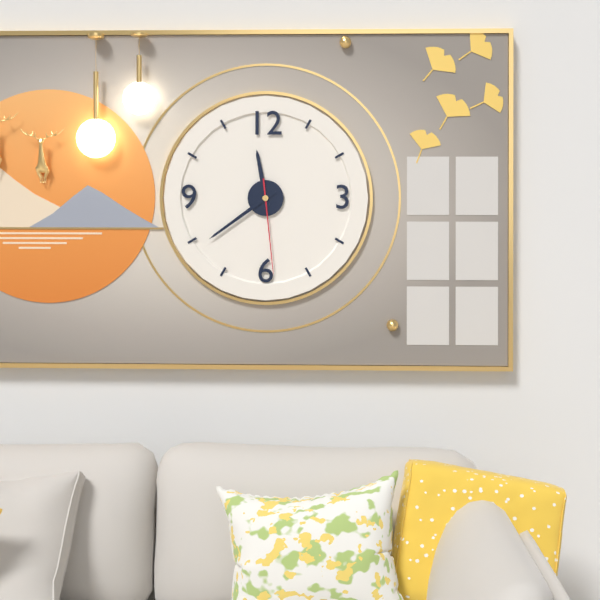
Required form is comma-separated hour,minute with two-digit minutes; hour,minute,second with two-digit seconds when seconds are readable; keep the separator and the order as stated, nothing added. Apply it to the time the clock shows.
11,39,29
